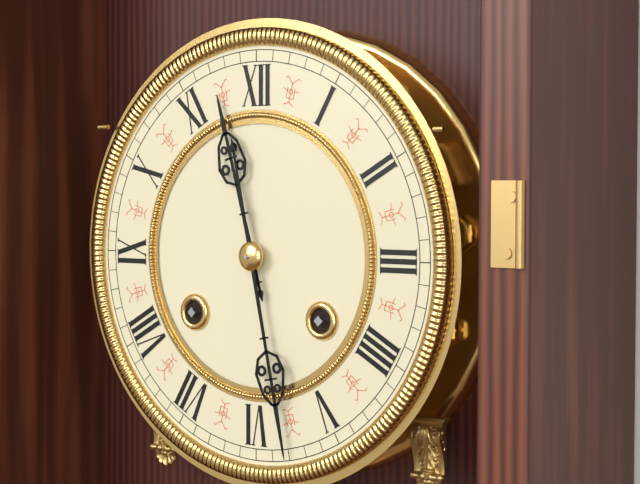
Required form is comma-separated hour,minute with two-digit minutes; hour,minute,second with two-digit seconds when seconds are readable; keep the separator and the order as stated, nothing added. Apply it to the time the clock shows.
11,28
